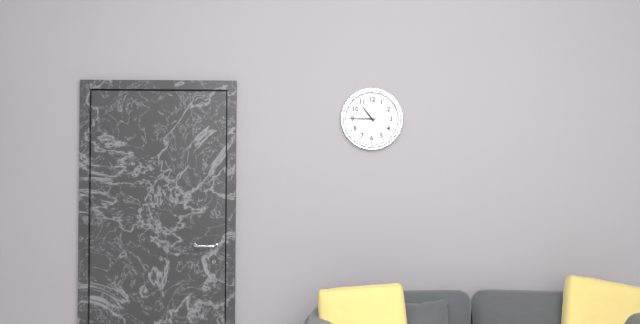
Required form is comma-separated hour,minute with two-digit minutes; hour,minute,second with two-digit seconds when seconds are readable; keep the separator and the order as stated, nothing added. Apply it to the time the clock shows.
10,45
